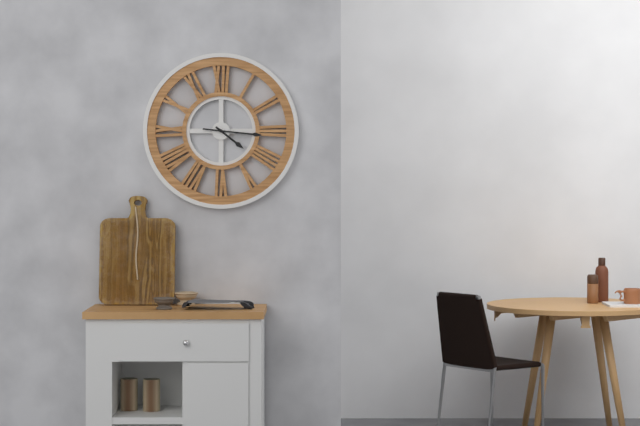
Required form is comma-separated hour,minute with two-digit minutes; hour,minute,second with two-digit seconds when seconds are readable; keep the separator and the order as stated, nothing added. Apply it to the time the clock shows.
4,16
